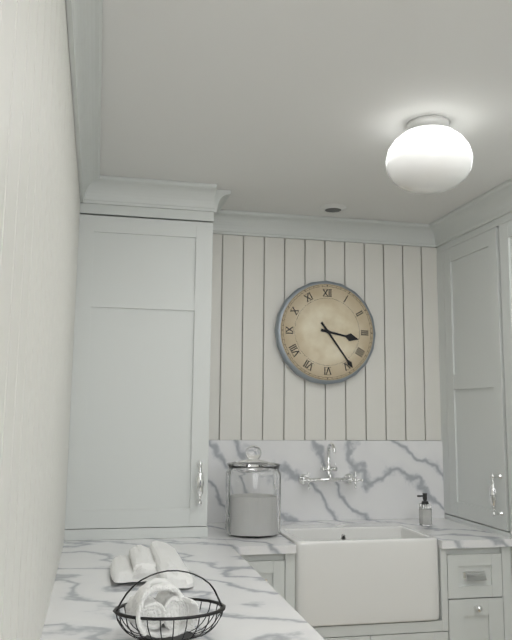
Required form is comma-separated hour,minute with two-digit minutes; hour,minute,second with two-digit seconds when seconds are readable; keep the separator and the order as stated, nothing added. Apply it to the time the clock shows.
3,24
